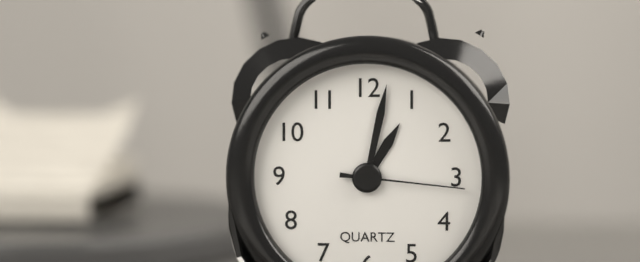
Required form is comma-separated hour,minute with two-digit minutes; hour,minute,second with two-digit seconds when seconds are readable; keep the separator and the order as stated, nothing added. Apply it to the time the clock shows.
1,02,16
